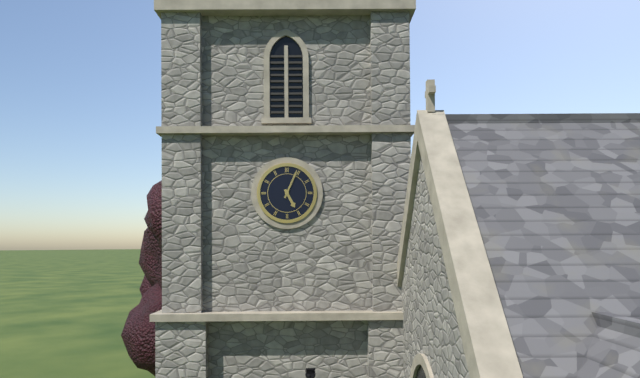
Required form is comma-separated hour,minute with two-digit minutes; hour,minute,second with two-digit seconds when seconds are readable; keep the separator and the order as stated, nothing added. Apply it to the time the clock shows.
5,04
